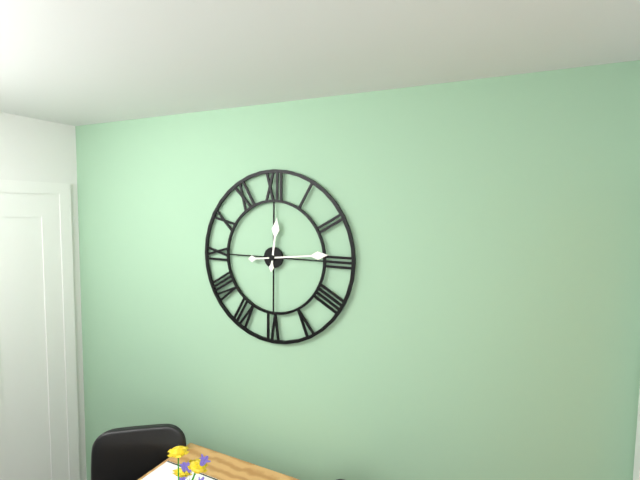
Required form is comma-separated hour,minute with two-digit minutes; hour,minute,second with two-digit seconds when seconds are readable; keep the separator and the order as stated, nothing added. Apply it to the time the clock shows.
12,14
